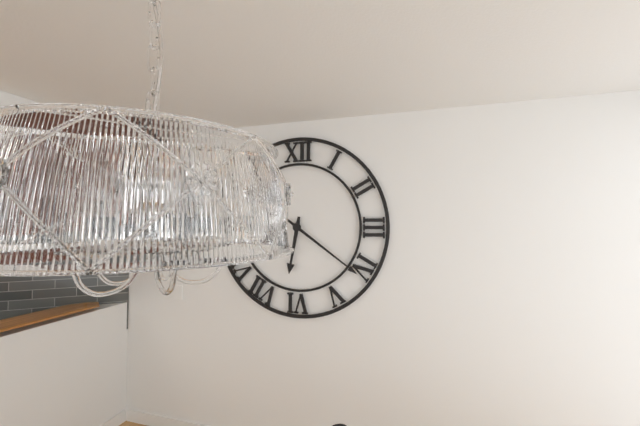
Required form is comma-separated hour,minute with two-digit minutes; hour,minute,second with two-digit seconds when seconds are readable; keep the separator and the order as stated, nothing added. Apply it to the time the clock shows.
6,21
